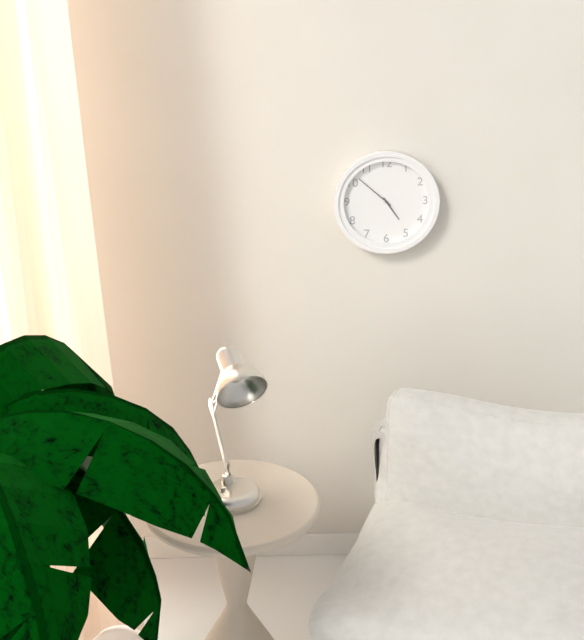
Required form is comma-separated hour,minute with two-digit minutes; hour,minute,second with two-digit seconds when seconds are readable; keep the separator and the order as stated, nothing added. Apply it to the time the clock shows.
4,52
